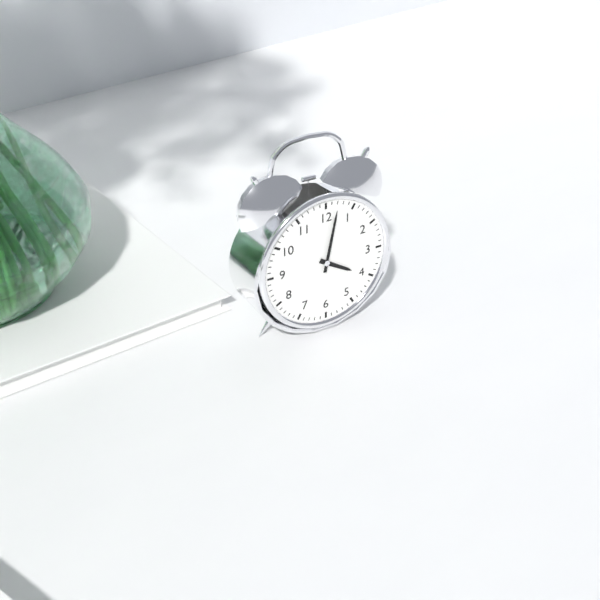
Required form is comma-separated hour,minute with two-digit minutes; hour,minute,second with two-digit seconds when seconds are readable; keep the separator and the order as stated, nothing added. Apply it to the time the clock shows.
4,02
